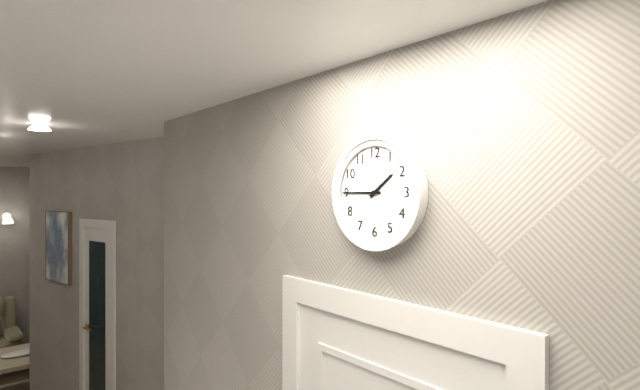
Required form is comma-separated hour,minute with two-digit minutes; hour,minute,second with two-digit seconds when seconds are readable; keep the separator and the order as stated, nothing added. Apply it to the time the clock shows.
1,45
